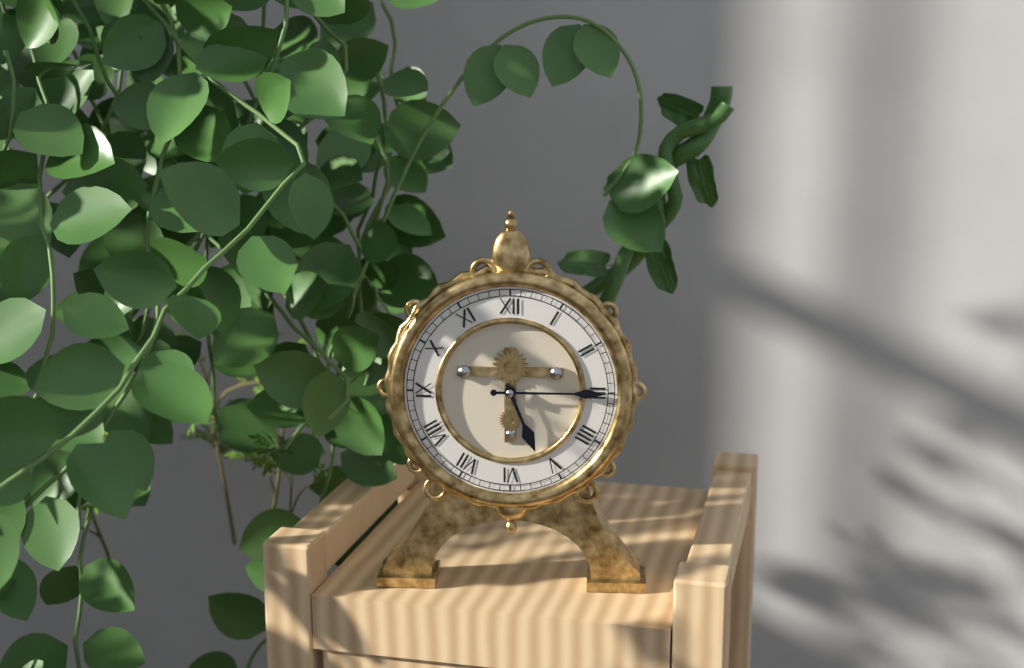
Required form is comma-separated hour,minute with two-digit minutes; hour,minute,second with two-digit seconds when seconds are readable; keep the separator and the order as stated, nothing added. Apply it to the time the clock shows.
5,15
